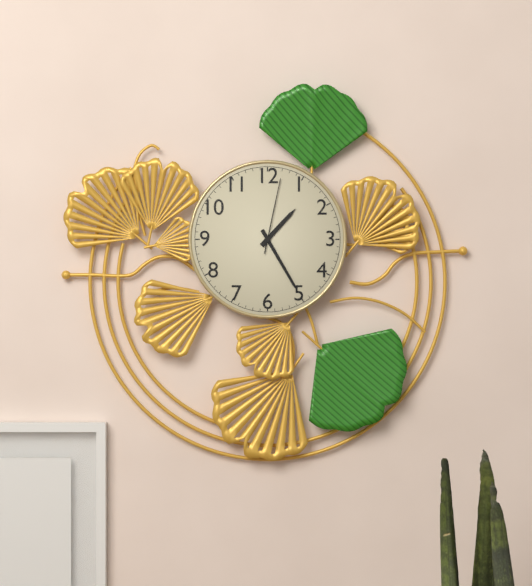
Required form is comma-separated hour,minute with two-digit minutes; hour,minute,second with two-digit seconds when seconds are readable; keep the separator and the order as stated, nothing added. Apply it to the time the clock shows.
1,25,02
